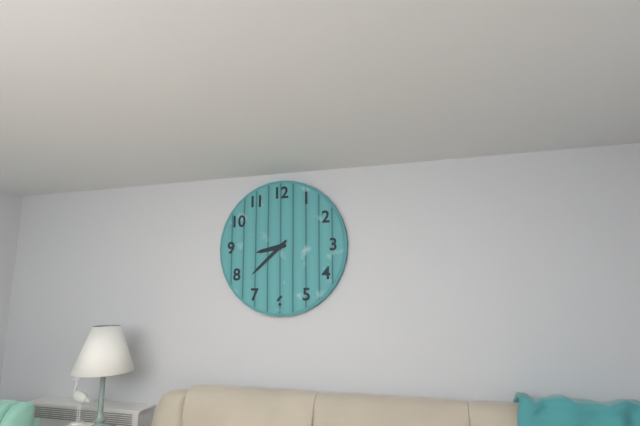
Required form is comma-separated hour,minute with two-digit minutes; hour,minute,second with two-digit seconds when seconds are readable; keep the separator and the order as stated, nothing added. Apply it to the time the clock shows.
8,38
